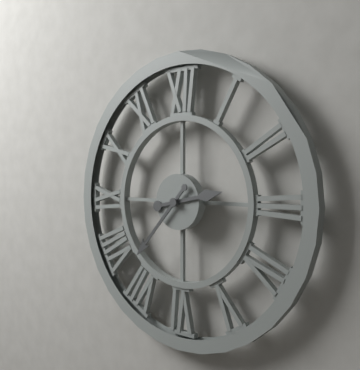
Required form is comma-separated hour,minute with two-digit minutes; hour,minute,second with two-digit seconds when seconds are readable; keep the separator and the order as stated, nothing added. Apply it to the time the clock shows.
2,37
